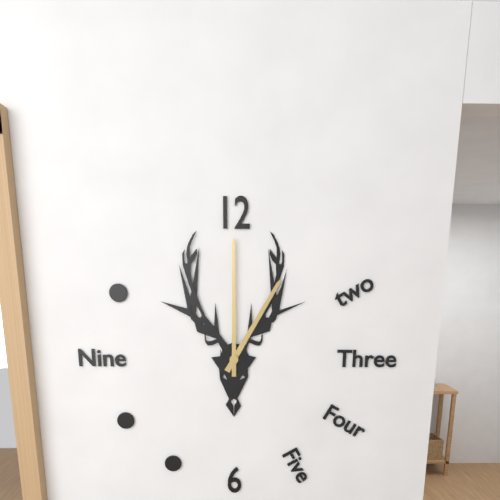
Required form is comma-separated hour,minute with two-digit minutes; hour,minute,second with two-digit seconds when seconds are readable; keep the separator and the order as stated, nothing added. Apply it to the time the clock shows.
1,00
